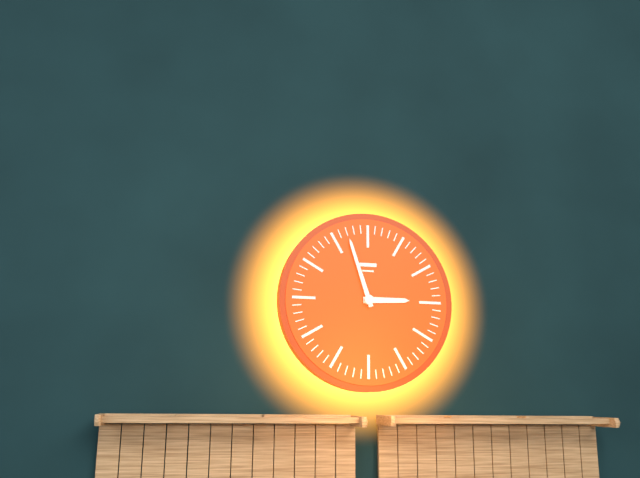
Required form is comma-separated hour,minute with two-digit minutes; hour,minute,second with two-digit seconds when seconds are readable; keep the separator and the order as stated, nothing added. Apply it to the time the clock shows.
2,57
